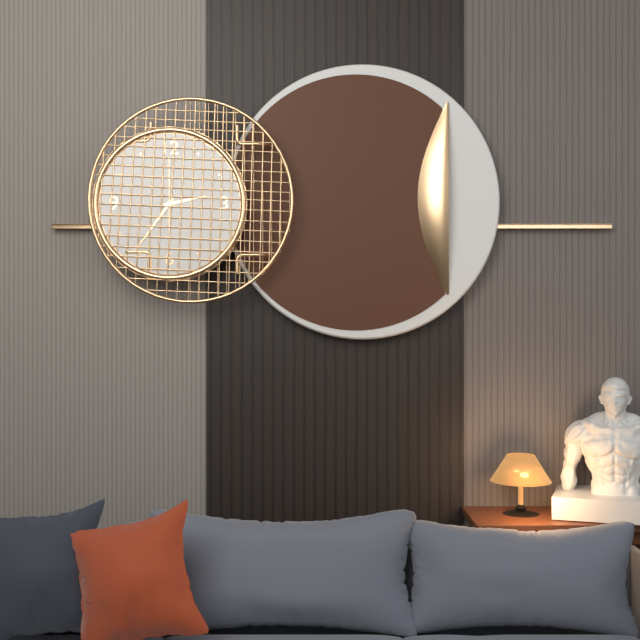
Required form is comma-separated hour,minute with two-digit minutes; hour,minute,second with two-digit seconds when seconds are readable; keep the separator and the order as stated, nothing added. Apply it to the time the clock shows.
2,36,00
